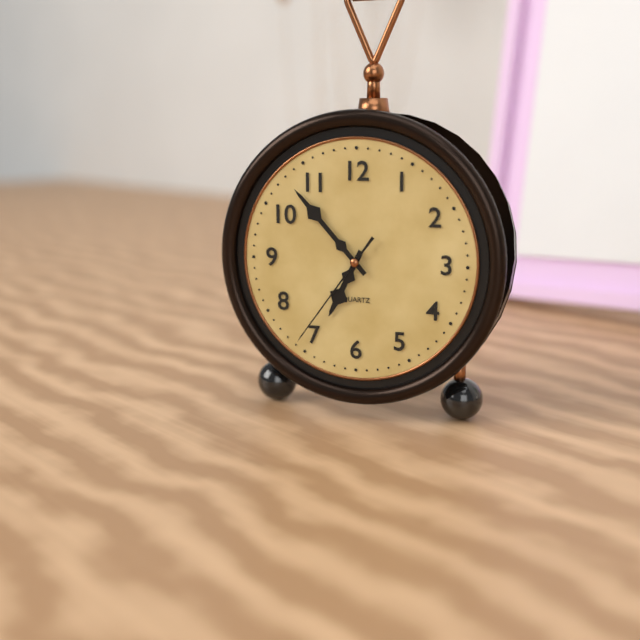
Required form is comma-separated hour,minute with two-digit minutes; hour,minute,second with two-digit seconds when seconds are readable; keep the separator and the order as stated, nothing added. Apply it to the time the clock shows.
6,53,36
